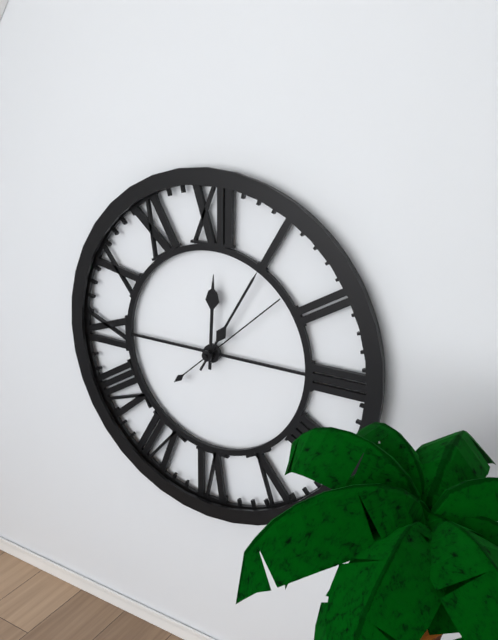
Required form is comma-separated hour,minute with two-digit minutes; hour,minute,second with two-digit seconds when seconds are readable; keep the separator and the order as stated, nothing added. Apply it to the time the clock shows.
12,05,08
